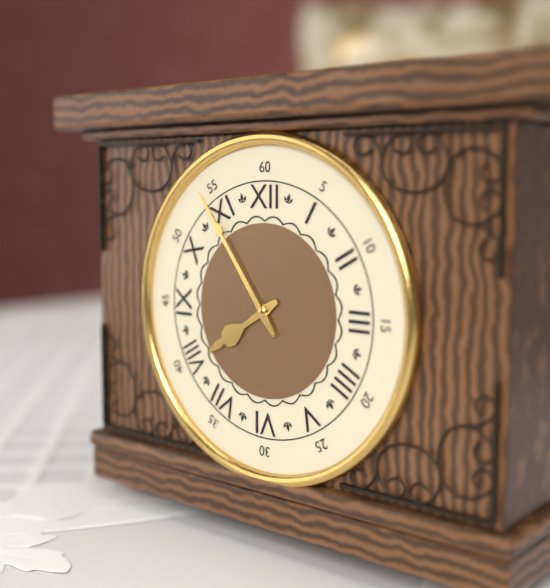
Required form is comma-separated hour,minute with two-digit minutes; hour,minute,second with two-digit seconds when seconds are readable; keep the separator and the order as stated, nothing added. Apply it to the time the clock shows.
7,54
